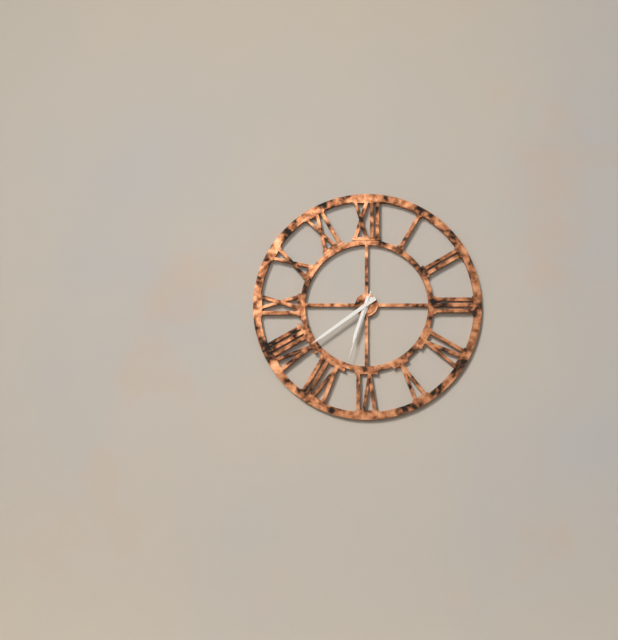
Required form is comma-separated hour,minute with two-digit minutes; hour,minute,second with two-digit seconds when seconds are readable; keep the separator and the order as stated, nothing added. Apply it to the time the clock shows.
6,39,33
